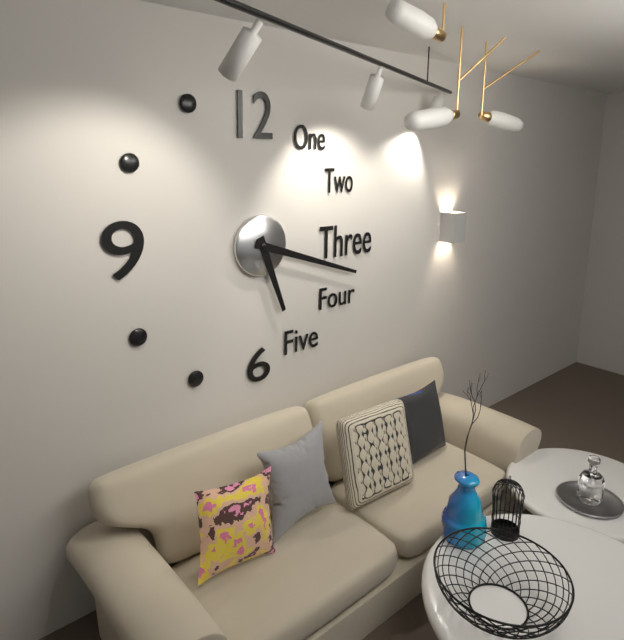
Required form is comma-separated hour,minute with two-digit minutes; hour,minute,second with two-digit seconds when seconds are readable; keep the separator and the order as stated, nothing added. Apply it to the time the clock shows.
5,18
